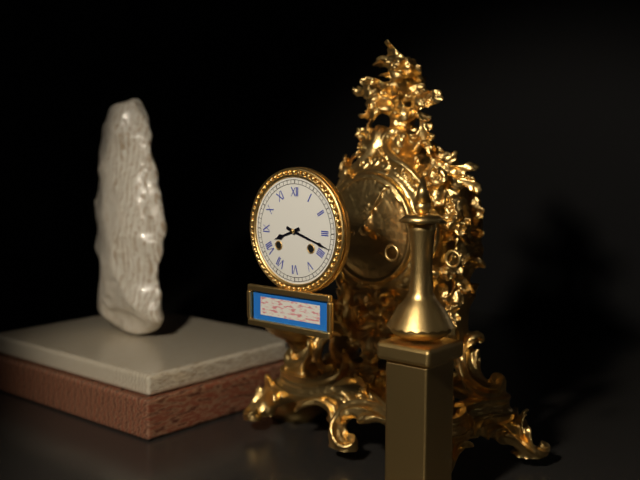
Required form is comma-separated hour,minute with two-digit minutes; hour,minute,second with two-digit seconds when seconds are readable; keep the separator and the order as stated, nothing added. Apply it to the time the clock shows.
8,18
